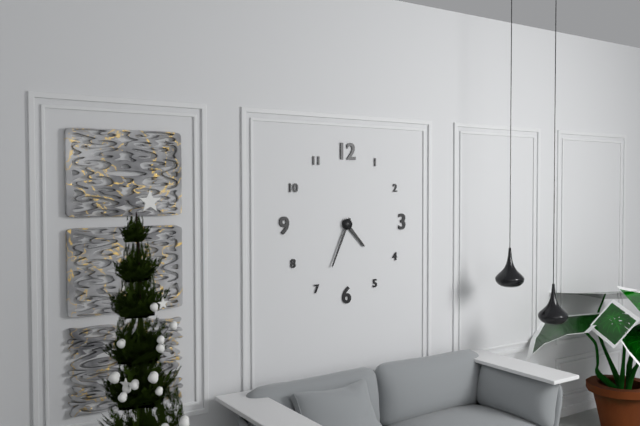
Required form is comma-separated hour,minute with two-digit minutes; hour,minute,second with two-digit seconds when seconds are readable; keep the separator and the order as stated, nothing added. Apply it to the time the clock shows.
4,34
